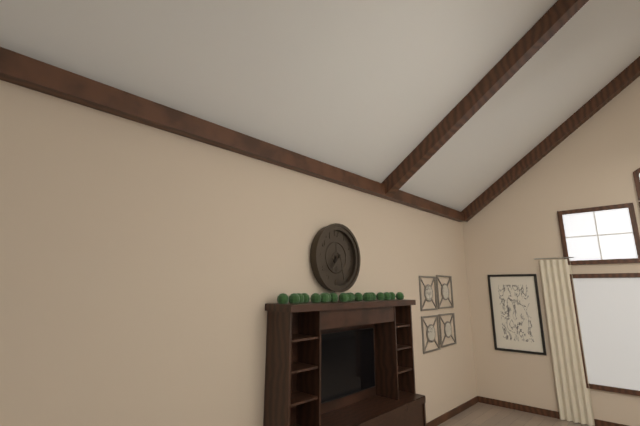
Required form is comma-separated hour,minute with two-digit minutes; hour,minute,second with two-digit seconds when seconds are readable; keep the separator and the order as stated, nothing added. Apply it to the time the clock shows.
7,28
